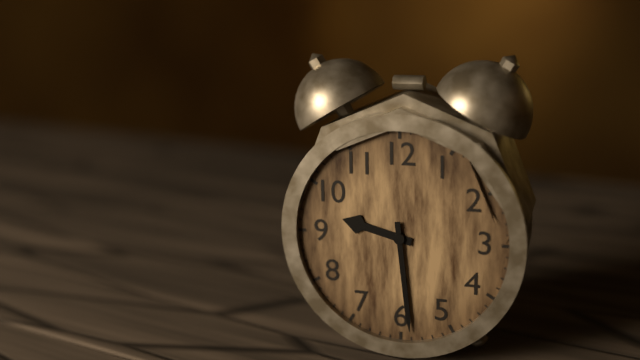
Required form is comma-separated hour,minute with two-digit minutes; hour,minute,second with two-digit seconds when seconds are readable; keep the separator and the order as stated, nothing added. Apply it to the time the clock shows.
9,29
